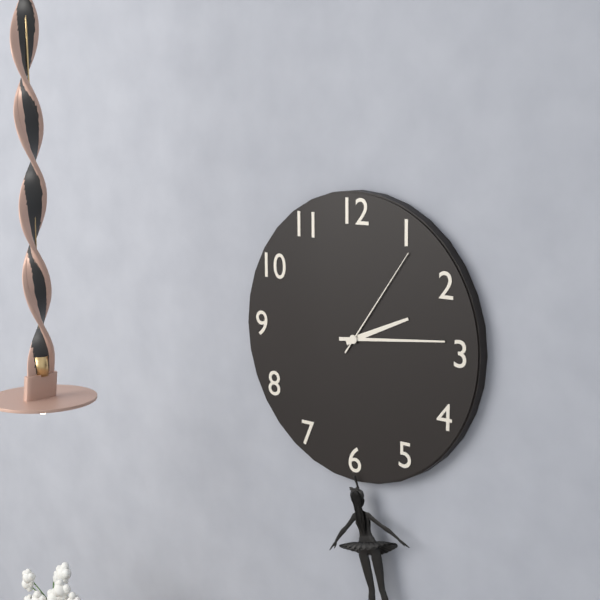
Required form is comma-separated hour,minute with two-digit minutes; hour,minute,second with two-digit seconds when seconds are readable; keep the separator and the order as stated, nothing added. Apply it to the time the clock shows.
2,14,06
